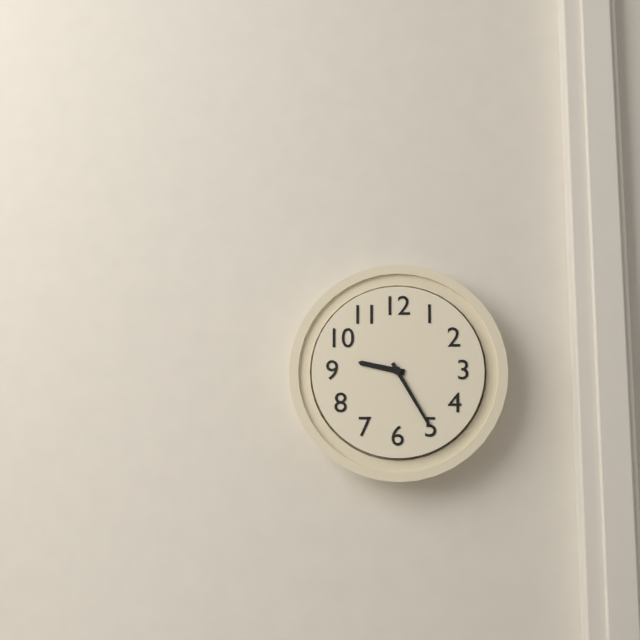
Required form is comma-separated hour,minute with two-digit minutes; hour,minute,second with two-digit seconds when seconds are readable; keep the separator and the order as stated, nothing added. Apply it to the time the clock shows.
9,25
